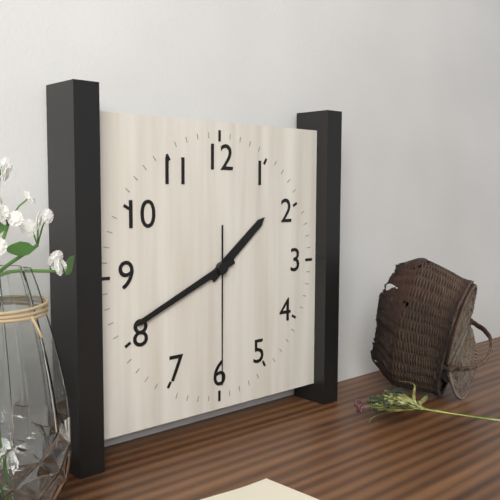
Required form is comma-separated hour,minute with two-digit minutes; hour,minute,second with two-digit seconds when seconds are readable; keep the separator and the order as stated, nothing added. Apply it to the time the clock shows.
1,41,30
